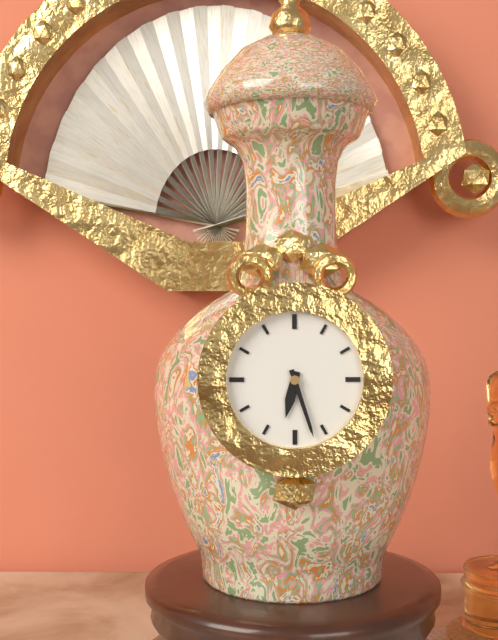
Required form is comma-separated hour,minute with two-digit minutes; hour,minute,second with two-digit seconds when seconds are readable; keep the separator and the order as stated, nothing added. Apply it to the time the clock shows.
6,27
